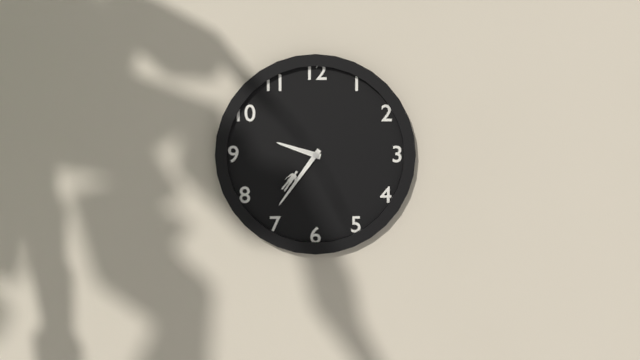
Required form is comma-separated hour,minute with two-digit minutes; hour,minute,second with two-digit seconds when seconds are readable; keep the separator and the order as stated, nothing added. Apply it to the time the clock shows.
9,36
